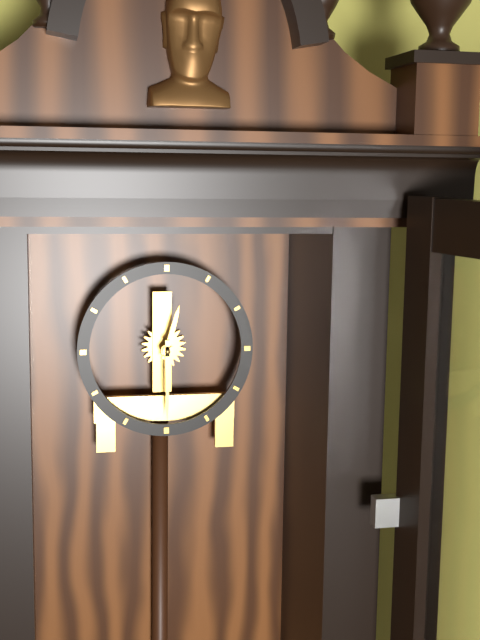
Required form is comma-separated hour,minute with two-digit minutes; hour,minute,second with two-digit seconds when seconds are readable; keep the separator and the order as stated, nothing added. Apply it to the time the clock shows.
12,30
